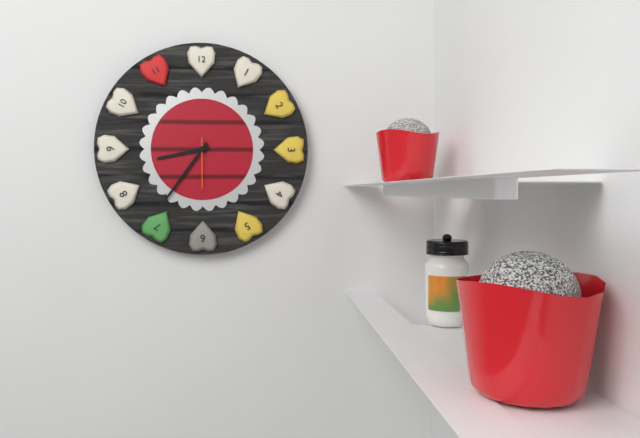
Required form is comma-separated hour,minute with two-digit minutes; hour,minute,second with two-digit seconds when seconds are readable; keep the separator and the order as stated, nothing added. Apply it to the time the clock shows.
8,36
